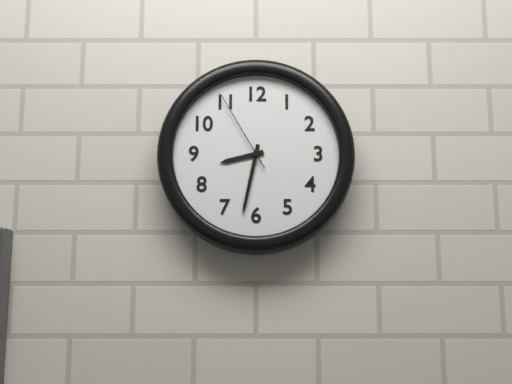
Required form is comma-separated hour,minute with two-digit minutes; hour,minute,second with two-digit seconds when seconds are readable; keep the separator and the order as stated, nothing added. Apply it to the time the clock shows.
8,32,55
